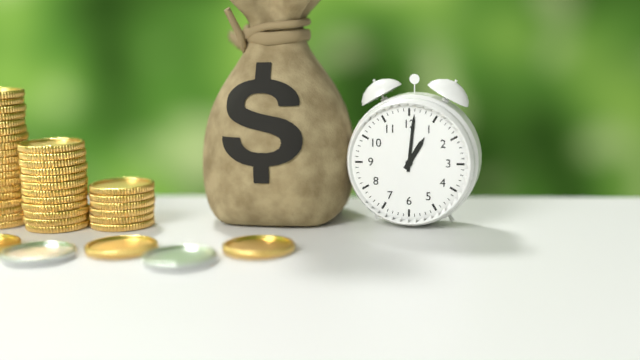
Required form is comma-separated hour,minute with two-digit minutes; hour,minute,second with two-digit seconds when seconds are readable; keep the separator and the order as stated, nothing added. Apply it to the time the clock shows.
1,01
